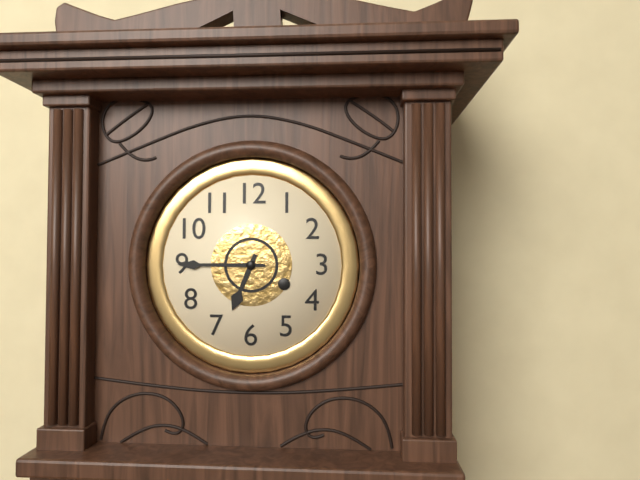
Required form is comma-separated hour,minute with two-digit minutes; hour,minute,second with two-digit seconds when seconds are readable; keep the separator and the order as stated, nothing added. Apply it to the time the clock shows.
6,45
